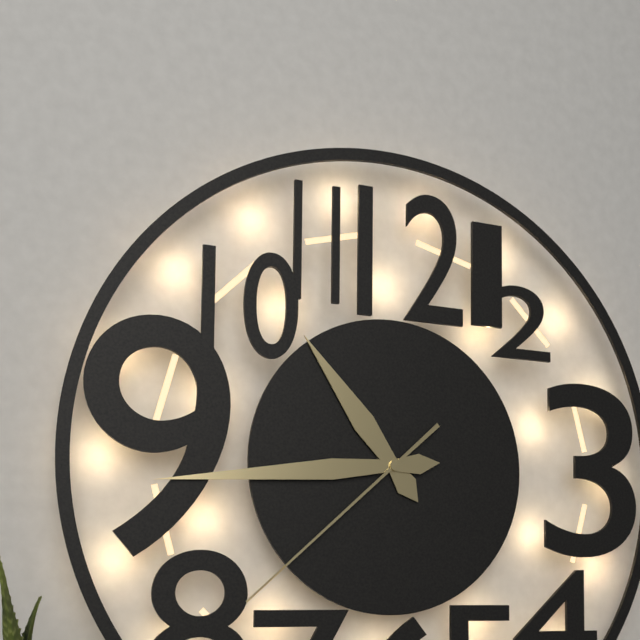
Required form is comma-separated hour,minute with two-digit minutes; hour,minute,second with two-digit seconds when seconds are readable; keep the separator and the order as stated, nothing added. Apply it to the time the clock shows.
10,44,38
